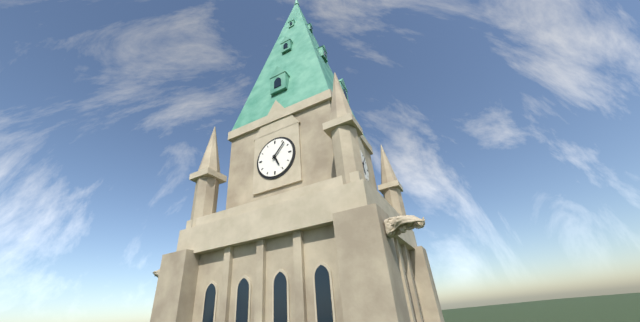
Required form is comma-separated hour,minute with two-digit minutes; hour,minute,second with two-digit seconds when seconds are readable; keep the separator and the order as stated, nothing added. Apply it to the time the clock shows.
5,07
